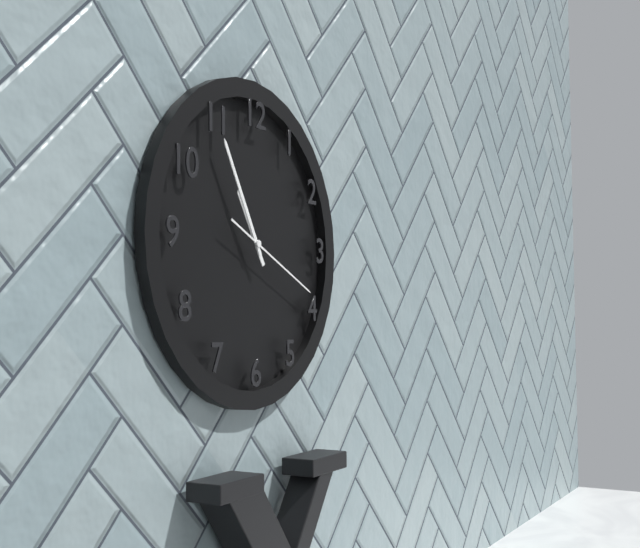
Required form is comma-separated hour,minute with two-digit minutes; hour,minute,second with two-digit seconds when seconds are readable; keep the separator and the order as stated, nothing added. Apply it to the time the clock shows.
10,55,19
